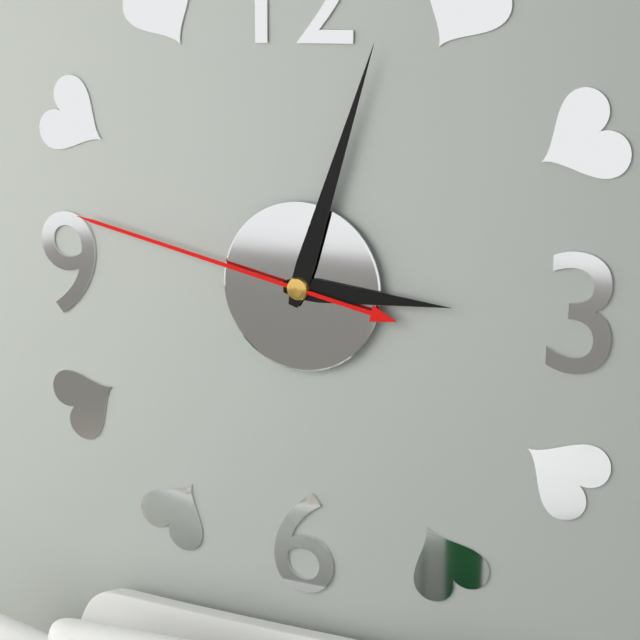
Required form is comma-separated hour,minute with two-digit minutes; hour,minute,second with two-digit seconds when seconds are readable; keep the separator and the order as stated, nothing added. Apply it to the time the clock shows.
3,03,47
